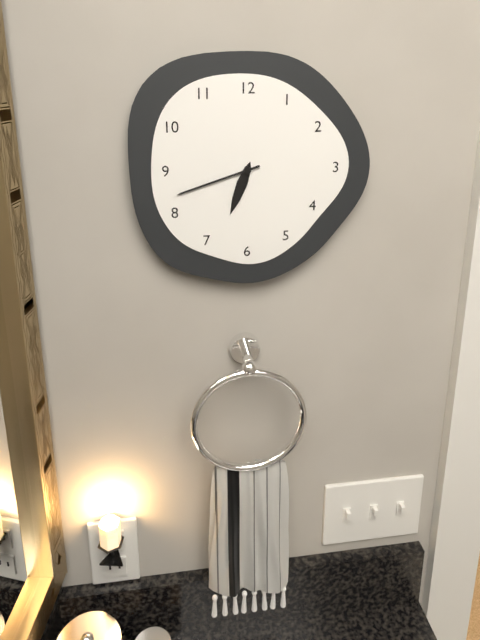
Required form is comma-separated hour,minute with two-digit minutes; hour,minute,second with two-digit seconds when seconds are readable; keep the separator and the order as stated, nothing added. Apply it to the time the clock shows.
6,42
